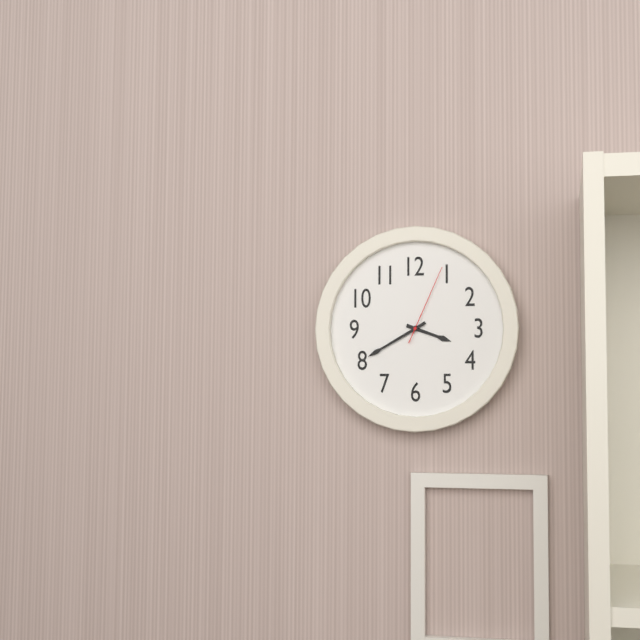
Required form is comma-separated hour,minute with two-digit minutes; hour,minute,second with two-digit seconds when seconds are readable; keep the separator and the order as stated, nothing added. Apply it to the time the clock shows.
3,40,04
